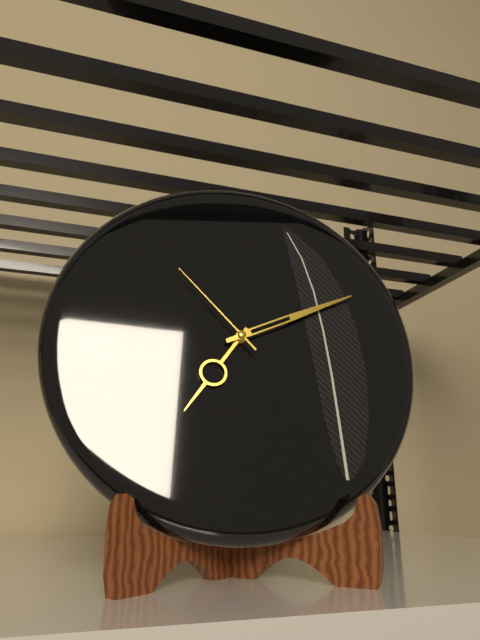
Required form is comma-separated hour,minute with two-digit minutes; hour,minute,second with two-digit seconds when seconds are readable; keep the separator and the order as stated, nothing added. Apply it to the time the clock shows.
7,11,53
